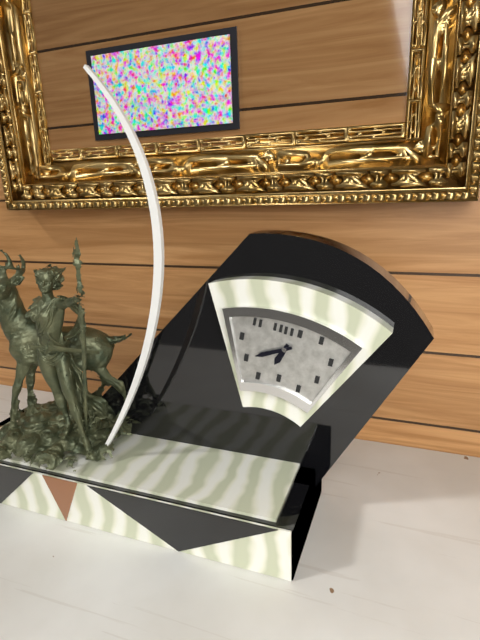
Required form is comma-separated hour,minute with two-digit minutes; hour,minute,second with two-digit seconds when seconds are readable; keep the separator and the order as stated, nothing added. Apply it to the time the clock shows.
6,40
